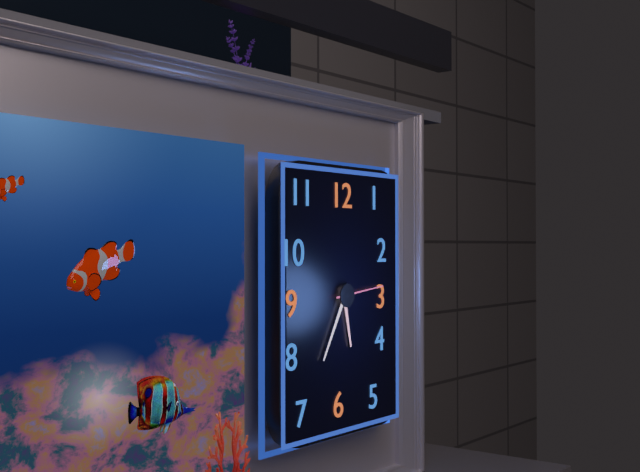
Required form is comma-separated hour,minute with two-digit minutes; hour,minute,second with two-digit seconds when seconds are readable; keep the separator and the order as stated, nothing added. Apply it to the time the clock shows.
5,35
